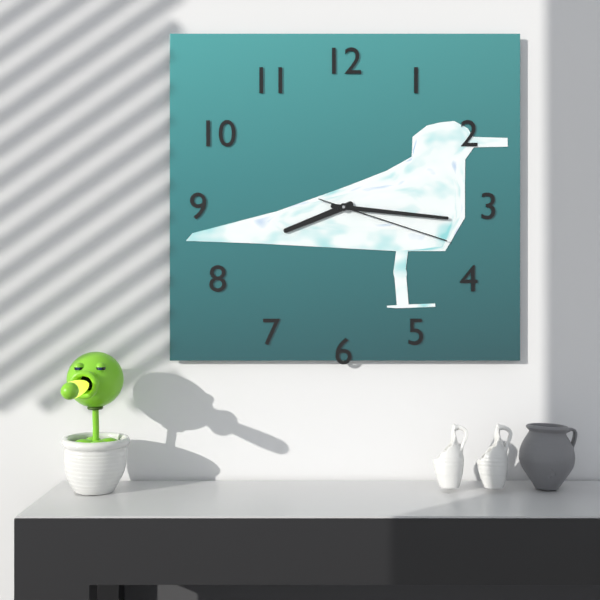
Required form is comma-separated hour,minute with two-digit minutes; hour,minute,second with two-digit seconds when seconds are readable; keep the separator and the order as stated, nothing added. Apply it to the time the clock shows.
8,16,18
